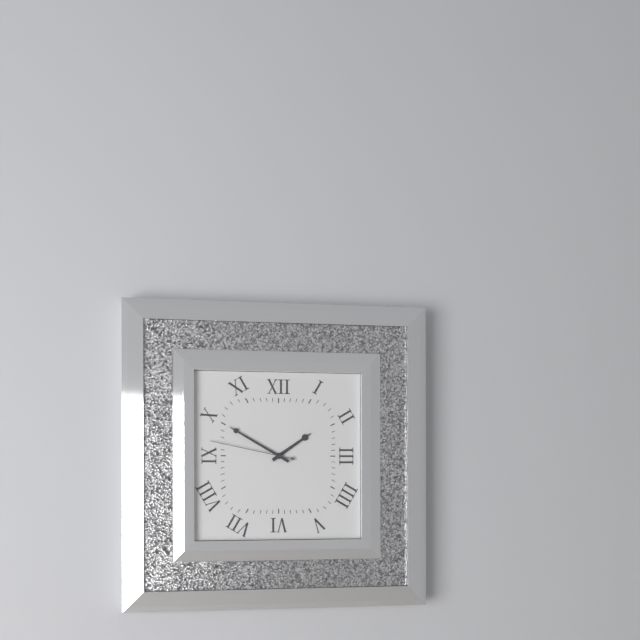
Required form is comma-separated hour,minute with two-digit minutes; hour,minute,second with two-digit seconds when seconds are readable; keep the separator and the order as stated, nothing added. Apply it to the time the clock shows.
1,50,47
